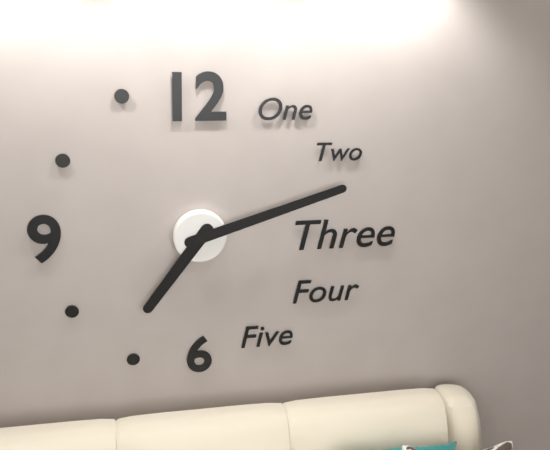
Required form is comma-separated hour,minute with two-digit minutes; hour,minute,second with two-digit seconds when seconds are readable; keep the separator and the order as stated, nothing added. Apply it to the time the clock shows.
7,12
